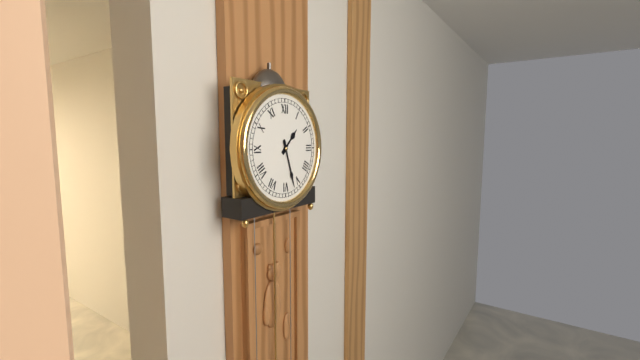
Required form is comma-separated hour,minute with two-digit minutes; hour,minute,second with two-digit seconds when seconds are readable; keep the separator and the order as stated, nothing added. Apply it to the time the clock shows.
1,27
